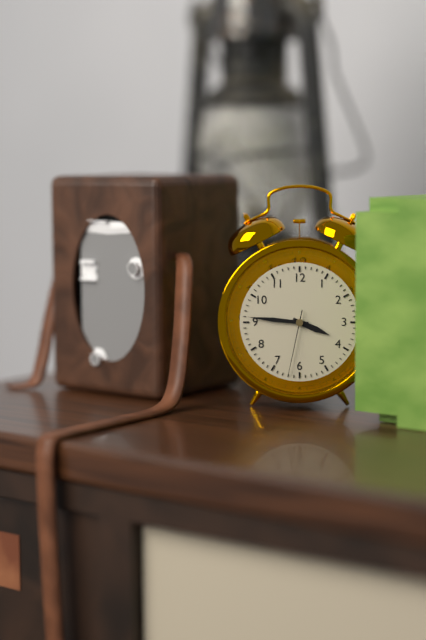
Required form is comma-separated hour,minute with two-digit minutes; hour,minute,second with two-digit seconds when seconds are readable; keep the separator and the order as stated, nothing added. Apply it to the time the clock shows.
3,46,32
